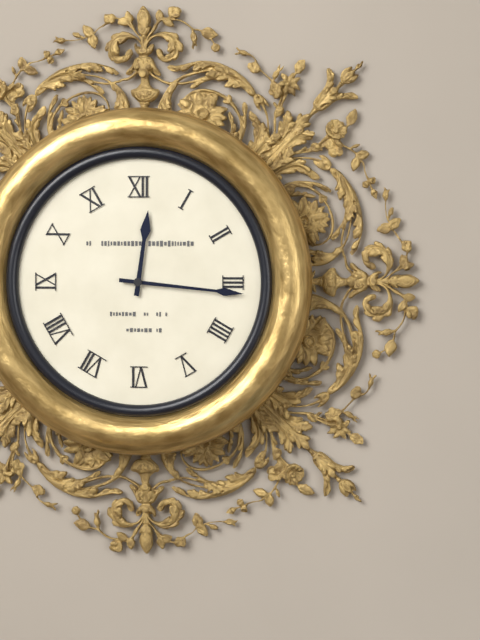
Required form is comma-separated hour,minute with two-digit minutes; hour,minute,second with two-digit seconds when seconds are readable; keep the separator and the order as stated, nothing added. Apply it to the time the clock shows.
12,16
